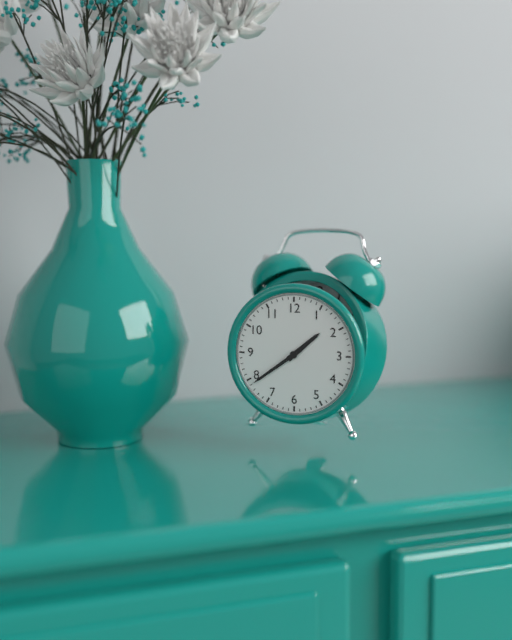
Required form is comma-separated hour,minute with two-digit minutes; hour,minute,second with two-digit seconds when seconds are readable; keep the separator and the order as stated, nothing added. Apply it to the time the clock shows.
1,39
